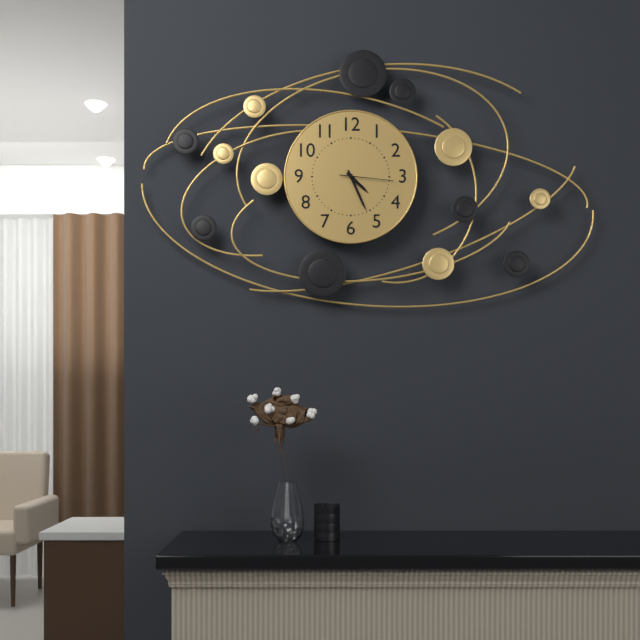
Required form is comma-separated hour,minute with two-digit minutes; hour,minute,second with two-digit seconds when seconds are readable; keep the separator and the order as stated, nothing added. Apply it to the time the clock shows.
4,26,16
